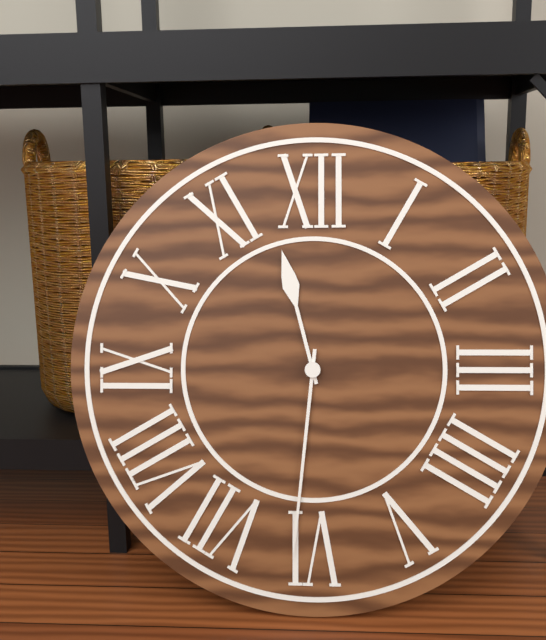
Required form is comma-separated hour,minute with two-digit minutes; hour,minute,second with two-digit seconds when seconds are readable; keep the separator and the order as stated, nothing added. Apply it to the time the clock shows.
11,31
